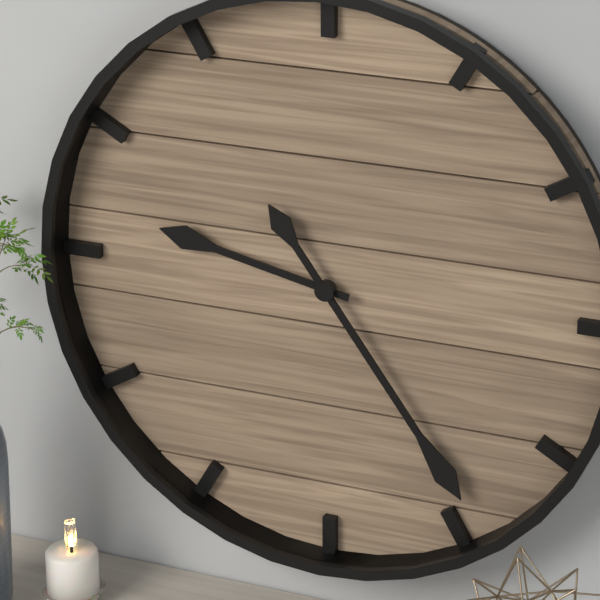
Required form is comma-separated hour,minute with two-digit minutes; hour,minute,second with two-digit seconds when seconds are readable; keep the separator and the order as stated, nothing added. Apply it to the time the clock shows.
9,24
